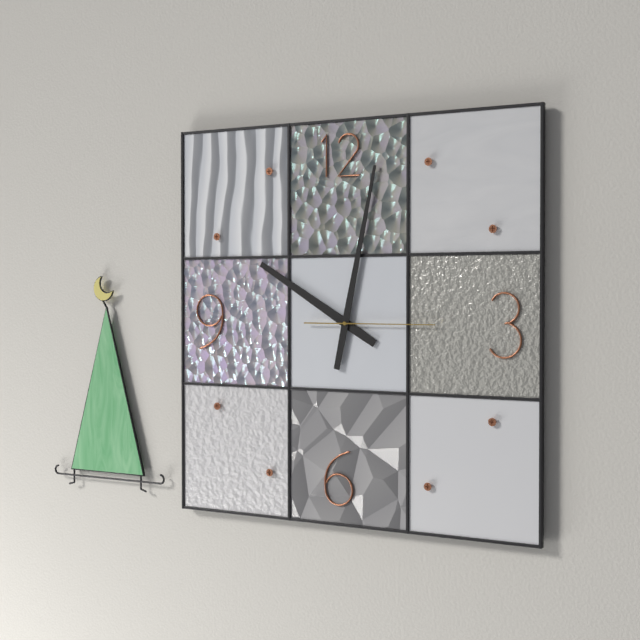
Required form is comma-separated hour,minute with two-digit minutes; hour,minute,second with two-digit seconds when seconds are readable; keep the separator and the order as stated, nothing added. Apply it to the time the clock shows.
10,02,15
